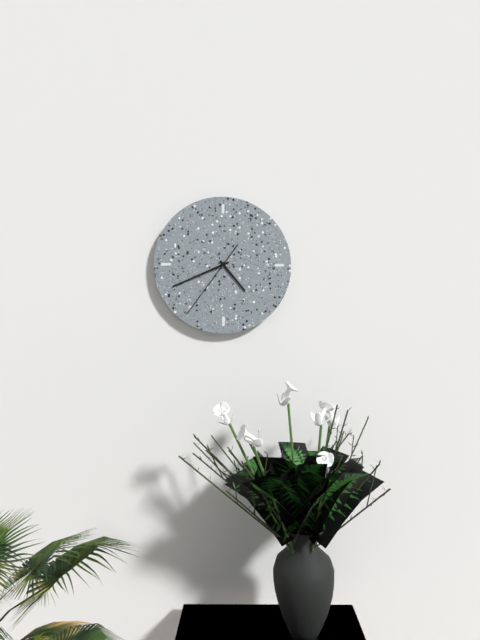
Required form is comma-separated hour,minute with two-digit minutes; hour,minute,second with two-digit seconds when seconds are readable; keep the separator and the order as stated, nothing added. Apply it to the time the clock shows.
4,41,36
